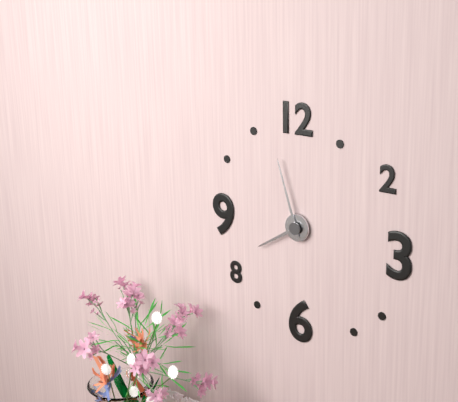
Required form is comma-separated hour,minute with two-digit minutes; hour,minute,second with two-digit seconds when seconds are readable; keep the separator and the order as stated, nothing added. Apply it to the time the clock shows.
7,57
